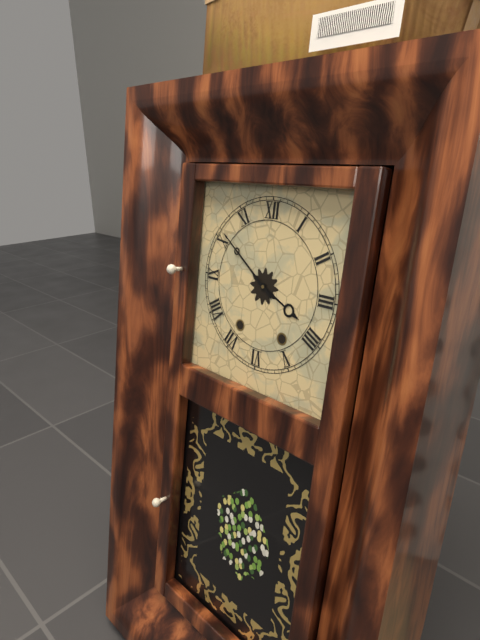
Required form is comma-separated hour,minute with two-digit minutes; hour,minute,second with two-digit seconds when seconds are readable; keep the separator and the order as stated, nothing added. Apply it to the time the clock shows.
3,51
